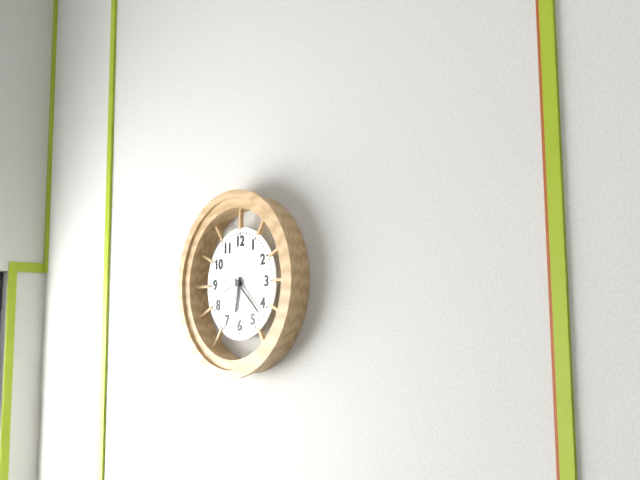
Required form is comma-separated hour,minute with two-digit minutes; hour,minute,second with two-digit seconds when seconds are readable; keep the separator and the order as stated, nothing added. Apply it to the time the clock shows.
6,22
